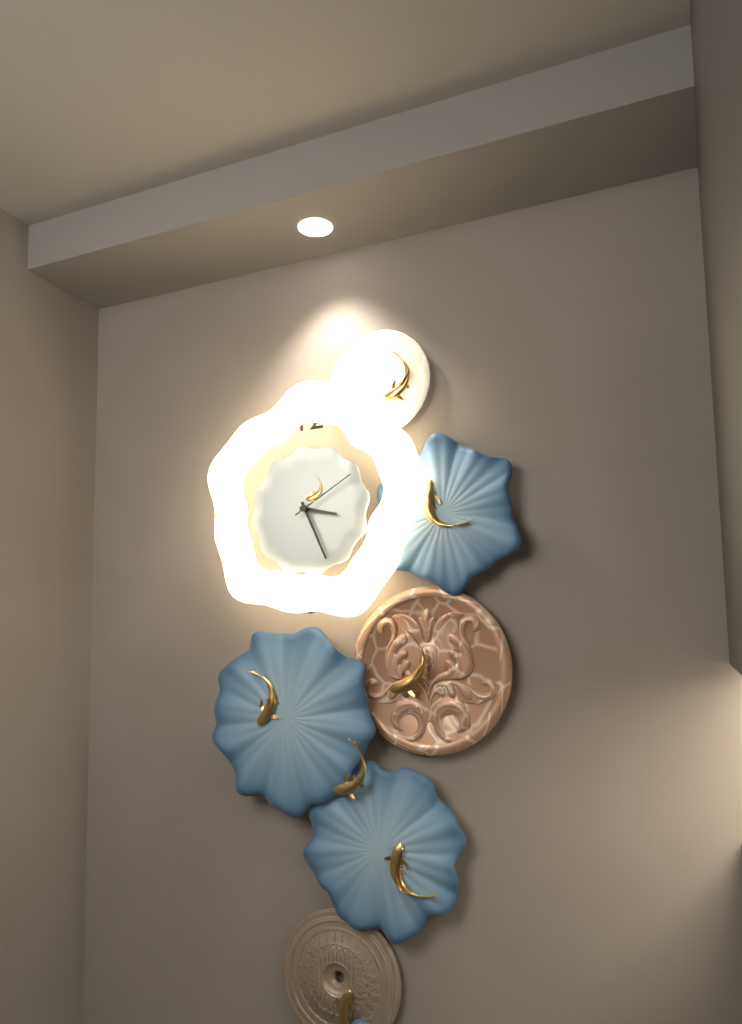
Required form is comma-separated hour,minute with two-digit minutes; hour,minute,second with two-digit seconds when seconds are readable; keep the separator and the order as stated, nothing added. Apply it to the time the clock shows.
3,26,10
